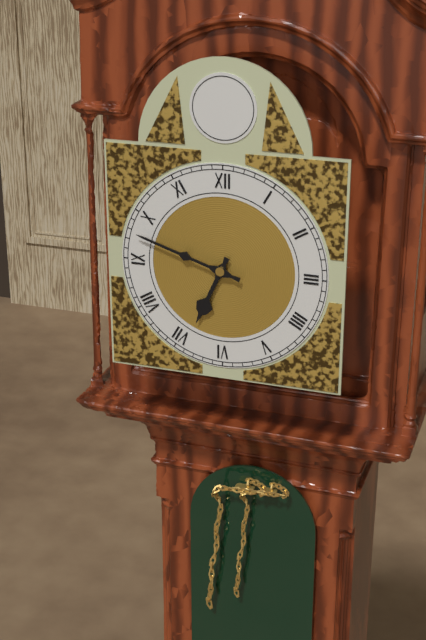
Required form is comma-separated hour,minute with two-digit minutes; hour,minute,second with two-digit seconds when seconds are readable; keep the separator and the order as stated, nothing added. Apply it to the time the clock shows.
6,48
